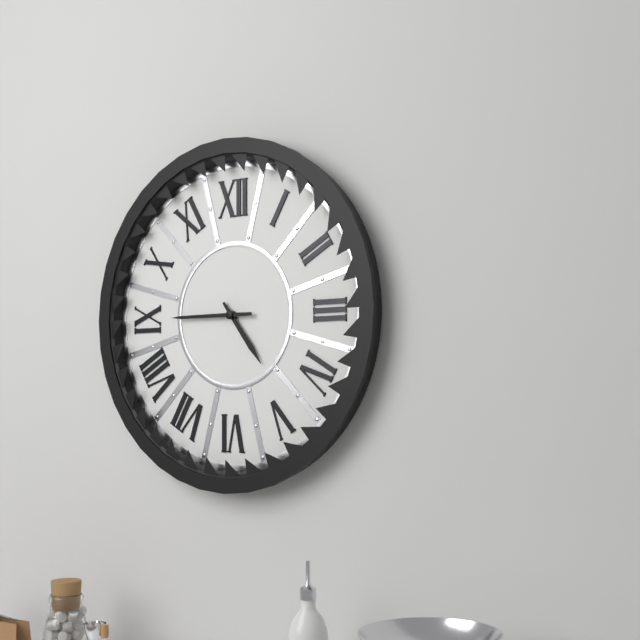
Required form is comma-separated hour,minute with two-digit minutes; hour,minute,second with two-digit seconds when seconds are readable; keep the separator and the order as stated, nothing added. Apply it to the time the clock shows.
4,45
